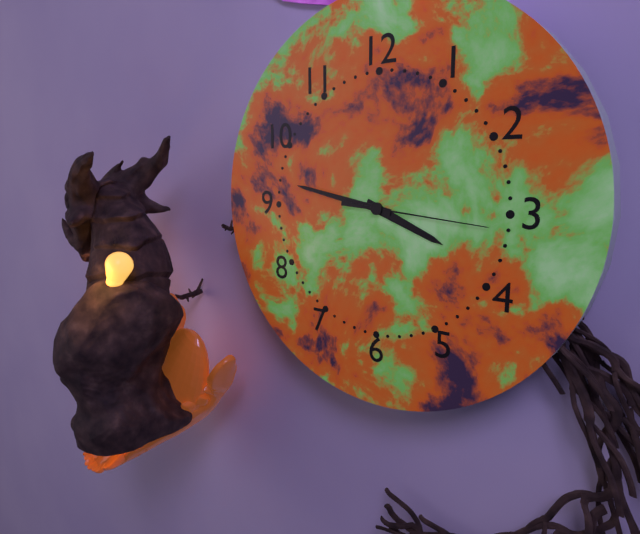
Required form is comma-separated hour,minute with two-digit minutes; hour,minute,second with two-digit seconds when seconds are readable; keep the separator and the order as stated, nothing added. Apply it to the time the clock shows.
3,47,16
